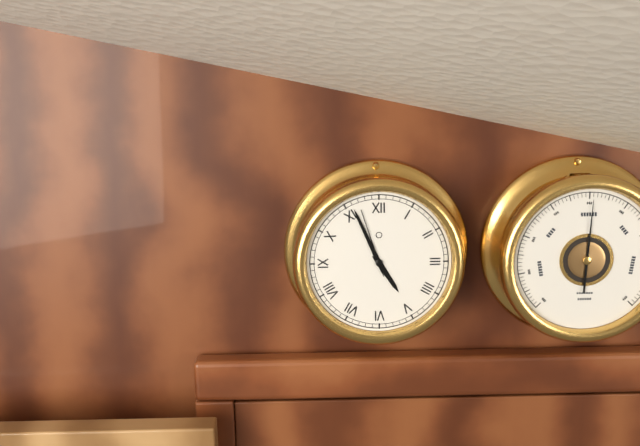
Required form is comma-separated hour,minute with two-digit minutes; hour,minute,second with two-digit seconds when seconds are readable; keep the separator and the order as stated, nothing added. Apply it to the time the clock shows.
4,56,57
